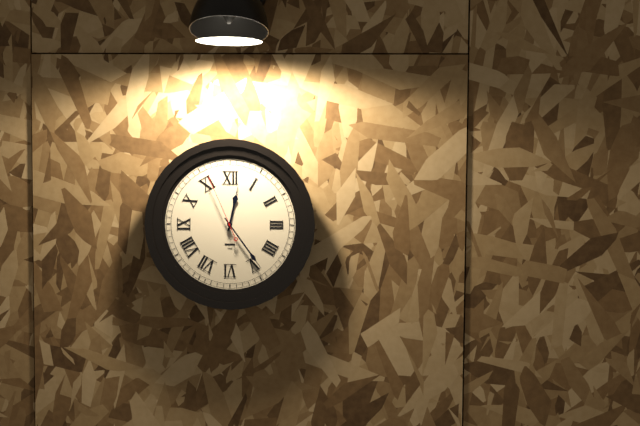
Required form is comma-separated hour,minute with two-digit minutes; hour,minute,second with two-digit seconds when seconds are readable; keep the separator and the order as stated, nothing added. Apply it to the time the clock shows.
12,24,56
